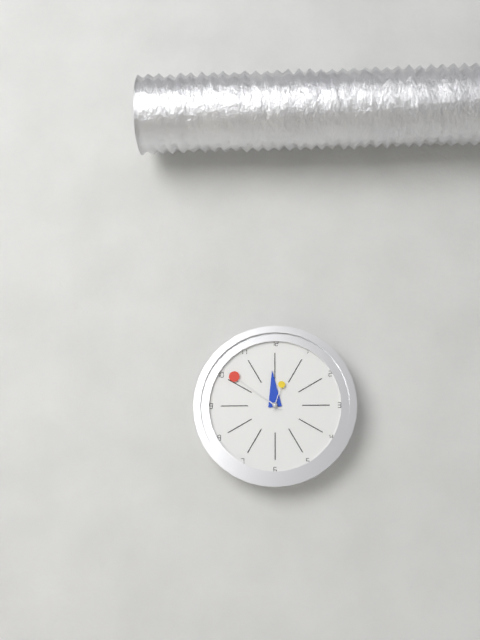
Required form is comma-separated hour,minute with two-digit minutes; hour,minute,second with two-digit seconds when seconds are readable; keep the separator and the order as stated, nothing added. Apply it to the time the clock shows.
11,51
